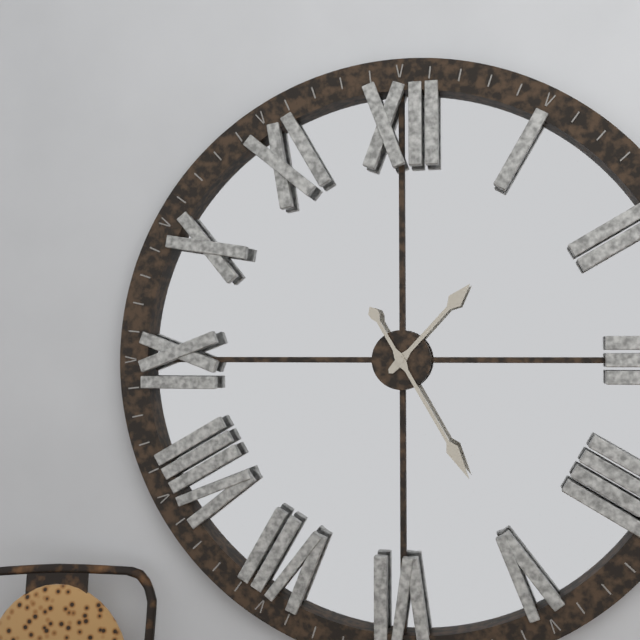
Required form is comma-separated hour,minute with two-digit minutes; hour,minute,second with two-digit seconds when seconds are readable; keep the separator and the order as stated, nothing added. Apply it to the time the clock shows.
1,25
